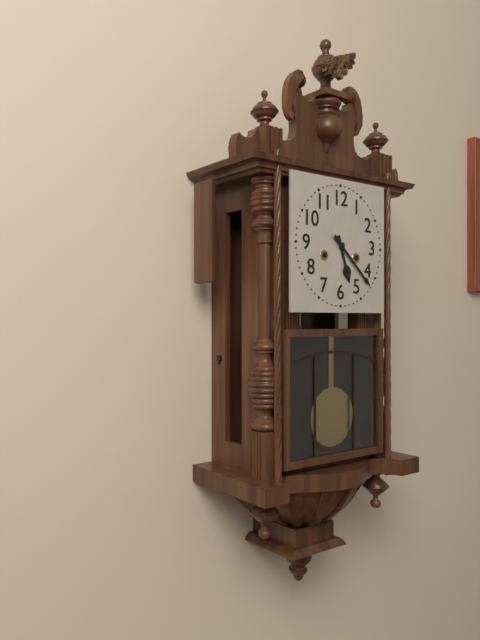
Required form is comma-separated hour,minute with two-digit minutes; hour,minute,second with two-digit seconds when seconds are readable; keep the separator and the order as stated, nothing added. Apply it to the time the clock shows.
5,22
